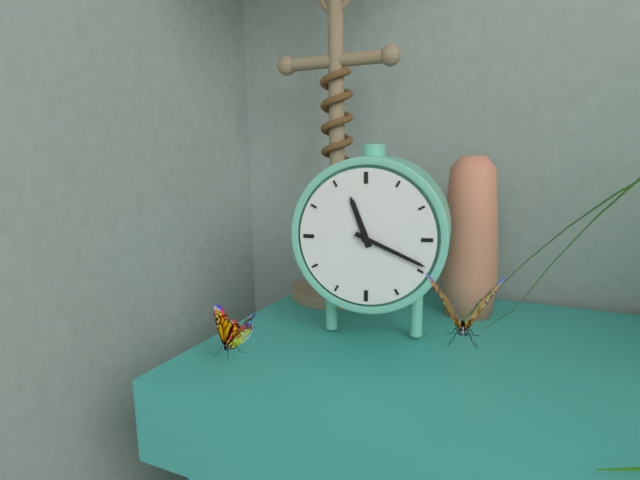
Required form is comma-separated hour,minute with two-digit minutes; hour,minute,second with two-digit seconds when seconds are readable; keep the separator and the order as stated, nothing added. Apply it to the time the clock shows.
11,19
